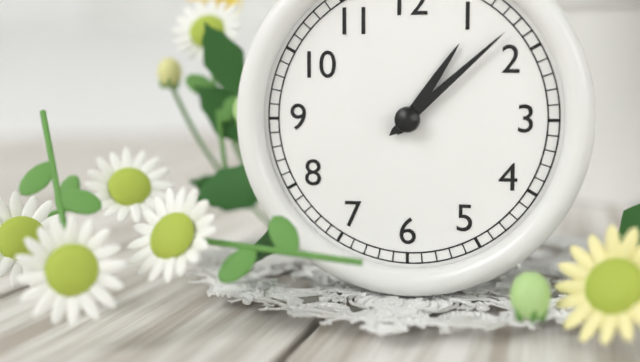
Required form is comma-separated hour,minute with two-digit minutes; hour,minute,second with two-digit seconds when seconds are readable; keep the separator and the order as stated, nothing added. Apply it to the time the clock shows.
1,08
